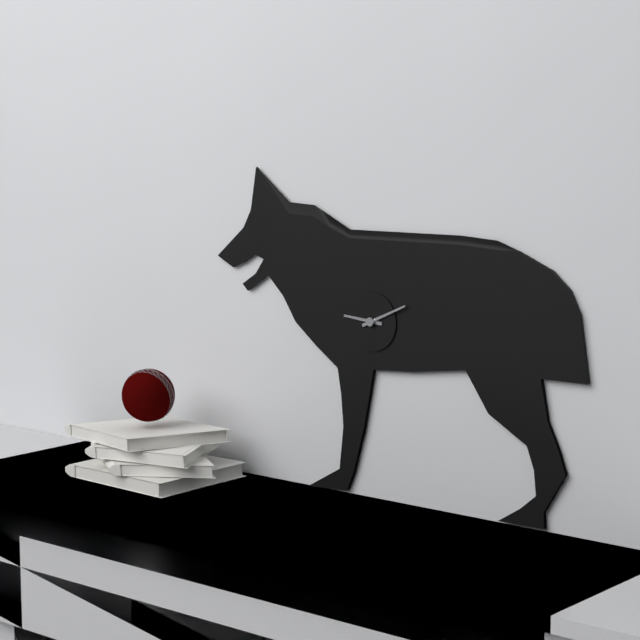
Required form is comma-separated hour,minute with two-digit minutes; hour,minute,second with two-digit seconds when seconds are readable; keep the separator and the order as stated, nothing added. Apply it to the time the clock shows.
9,11
